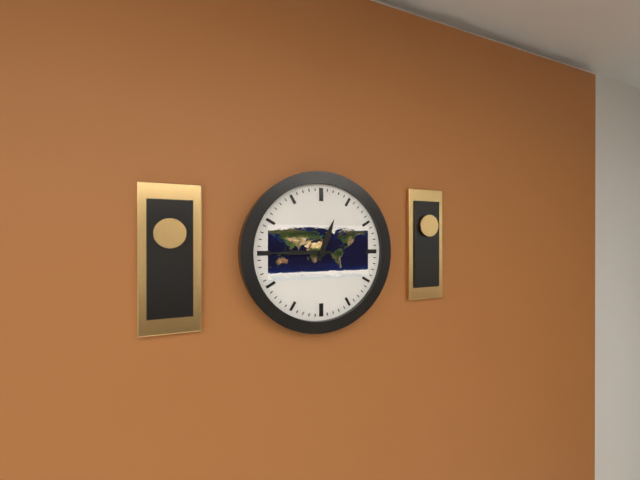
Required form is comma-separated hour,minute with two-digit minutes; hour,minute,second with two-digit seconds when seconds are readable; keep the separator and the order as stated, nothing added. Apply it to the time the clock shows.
12,45
